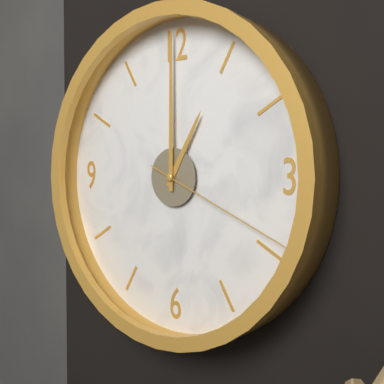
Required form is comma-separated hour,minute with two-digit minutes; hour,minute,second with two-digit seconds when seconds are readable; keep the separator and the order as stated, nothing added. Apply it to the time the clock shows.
1,00,19
